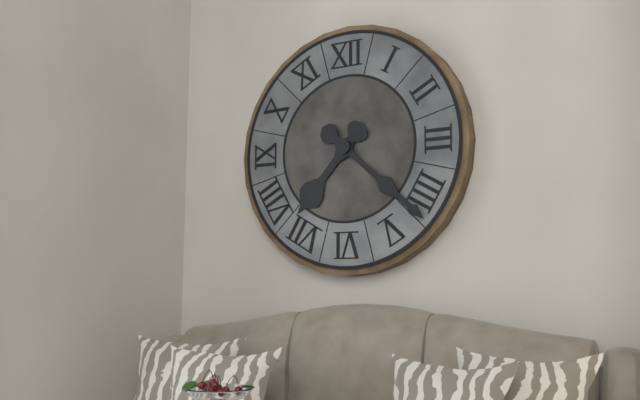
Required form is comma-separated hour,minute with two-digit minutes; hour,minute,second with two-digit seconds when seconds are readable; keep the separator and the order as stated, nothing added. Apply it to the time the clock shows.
7,22
